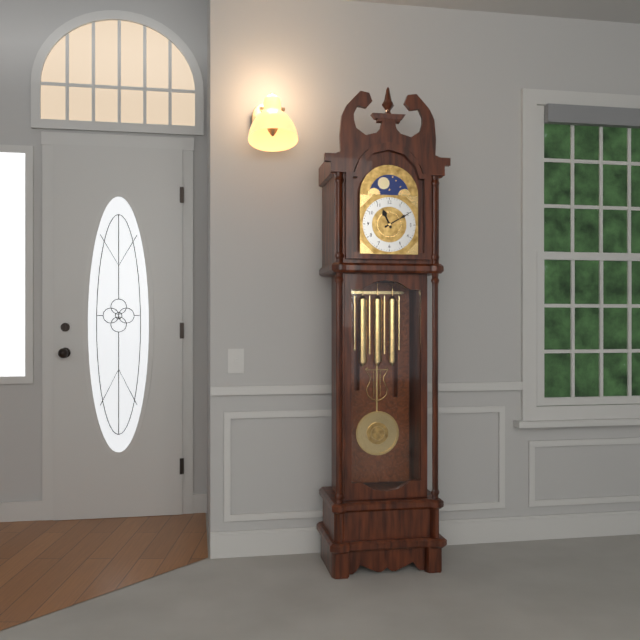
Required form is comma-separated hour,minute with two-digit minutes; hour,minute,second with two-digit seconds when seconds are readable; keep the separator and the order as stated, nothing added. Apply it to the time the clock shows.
11,10
